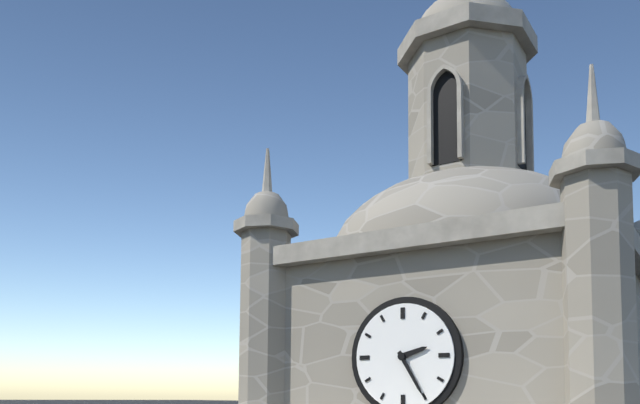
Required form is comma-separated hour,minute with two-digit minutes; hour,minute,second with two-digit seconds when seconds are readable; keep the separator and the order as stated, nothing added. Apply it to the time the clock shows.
2,25
